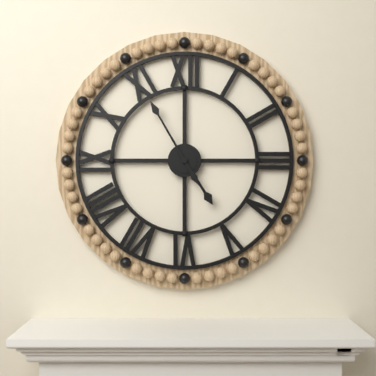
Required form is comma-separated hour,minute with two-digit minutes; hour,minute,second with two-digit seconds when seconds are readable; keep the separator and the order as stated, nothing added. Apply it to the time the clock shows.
4,55
